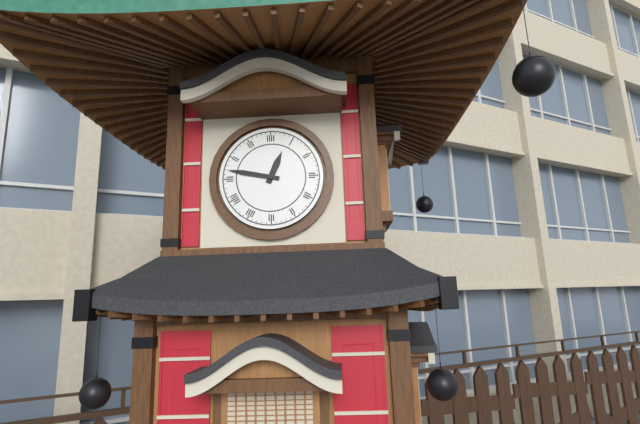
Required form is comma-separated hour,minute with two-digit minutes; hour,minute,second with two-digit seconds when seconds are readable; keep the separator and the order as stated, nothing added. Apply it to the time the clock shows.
12,47
